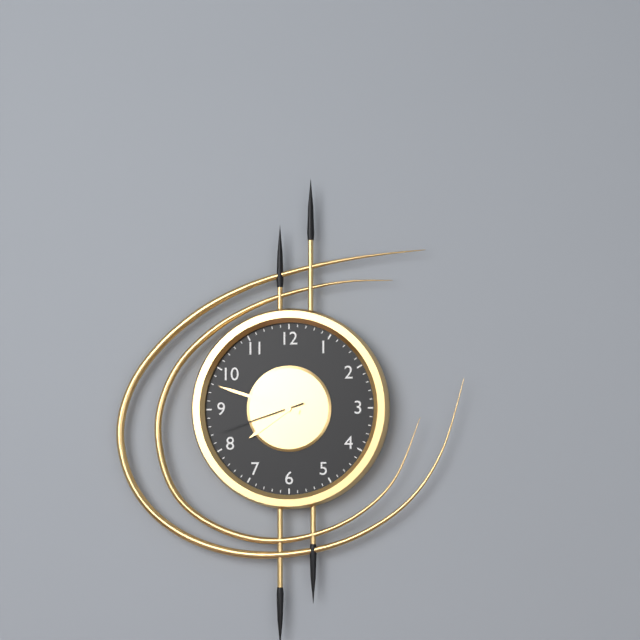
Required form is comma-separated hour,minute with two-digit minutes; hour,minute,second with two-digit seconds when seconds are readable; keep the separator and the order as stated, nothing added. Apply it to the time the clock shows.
7,48,42
